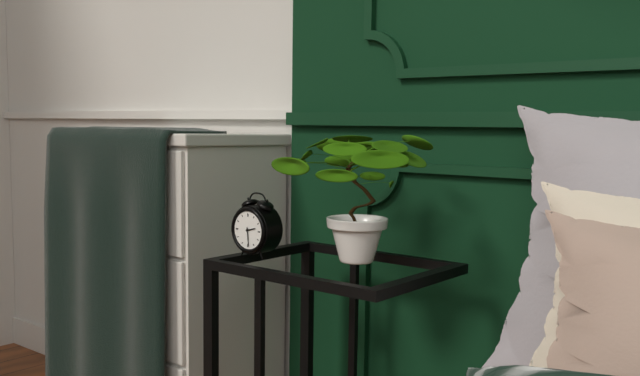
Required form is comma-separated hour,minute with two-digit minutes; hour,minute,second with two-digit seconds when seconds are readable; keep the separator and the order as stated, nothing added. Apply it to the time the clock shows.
2,29
